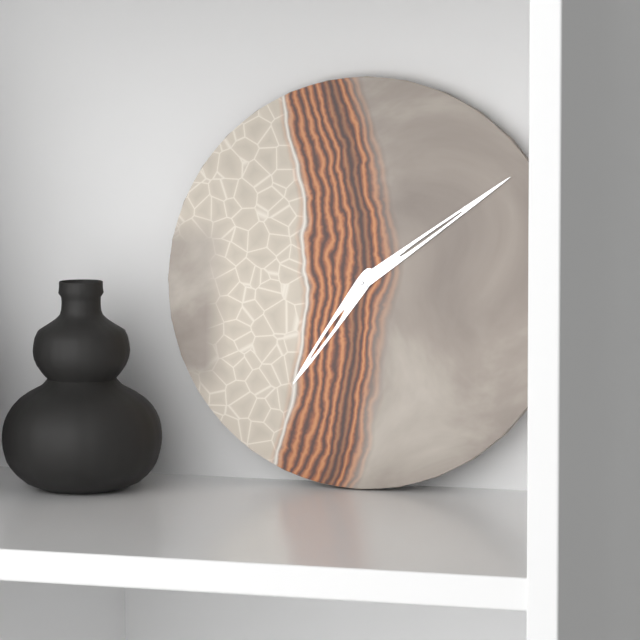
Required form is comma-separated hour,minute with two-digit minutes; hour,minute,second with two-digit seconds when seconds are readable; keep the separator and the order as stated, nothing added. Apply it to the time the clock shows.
7,09
